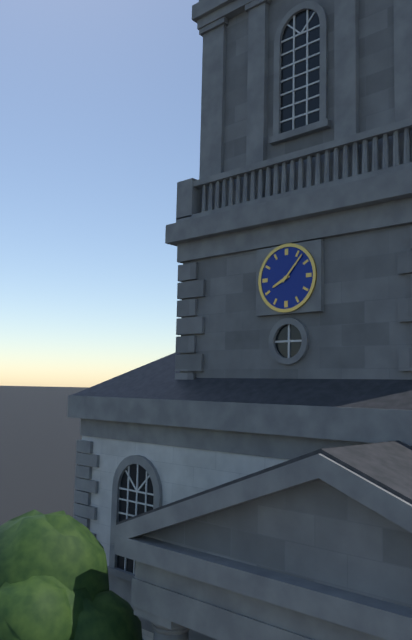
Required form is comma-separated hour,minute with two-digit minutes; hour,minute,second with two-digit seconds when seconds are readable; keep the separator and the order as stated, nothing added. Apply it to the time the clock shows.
8,07
